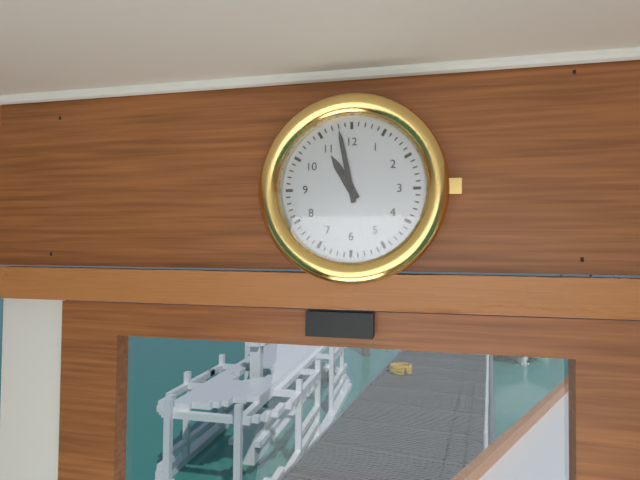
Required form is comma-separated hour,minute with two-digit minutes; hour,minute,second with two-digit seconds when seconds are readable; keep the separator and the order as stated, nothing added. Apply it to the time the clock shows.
10,58
